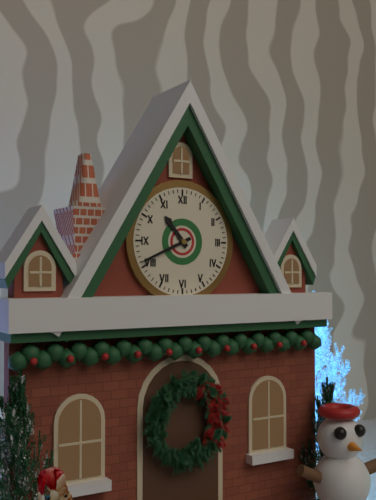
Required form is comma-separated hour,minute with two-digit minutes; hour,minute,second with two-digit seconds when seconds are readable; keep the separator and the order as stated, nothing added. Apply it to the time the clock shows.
10,41
